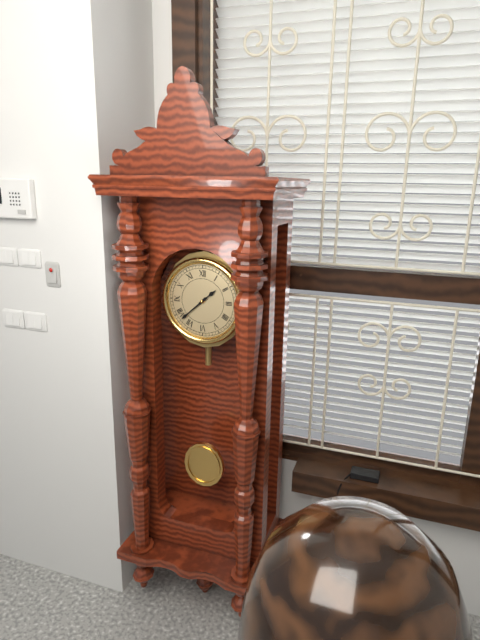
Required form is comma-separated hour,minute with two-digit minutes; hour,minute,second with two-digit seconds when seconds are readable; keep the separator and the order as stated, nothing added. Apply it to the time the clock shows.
1,38
